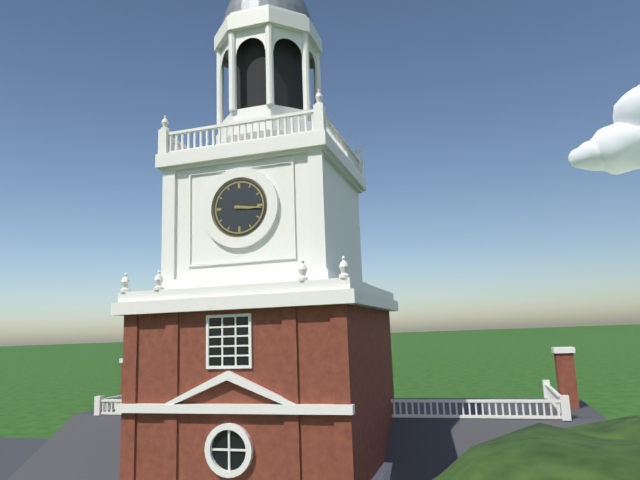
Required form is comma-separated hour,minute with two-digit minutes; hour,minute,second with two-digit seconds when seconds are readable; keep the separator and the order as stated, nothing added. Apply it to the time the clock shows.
3,16
